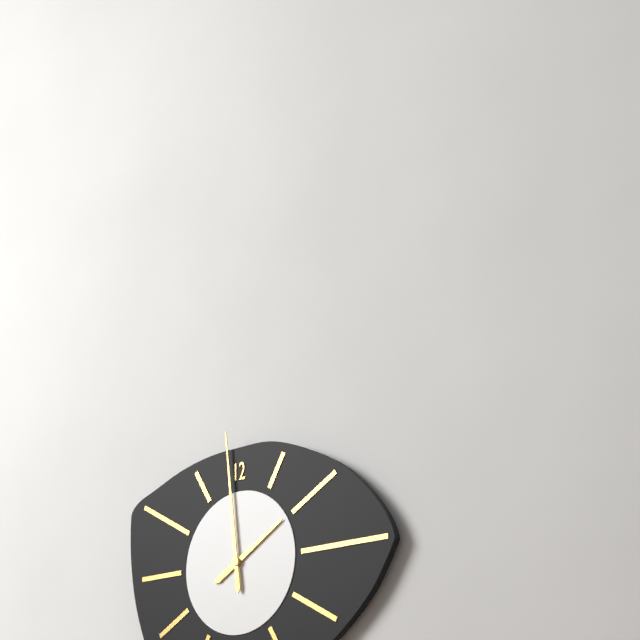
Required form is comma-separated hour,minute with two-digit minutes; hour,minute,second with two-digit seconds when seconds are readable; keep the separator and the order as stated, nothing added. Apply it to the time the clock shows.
1,59
